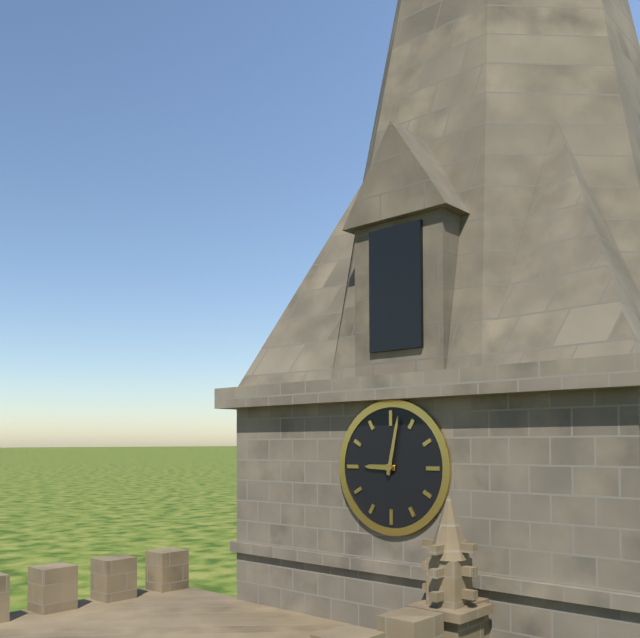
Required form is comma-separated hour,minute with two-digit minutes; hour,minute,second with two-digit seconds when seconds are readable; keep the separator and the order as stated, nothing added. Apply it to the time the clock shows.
9,02
